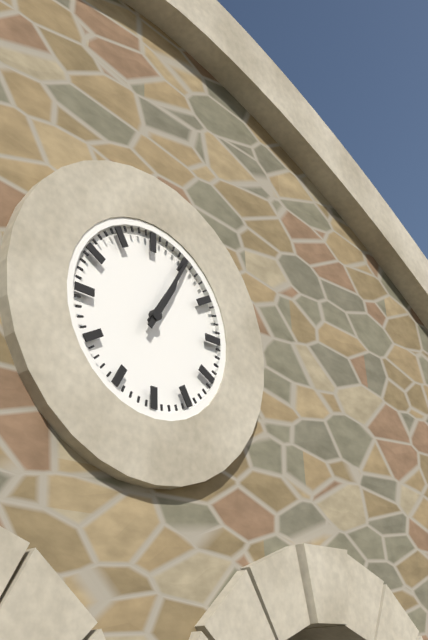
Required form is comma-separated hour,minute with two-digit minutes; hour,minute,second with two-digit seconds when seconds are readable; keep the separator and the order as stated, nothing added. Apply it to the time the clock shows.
1,05
